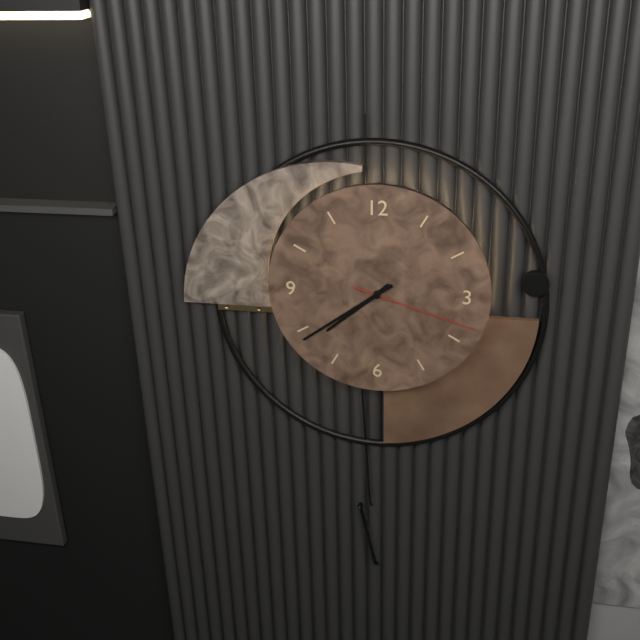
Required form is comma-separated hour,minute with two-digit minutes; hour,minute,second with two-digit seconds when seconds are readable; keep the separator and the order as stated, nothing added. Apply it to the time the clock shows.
7,39,18
